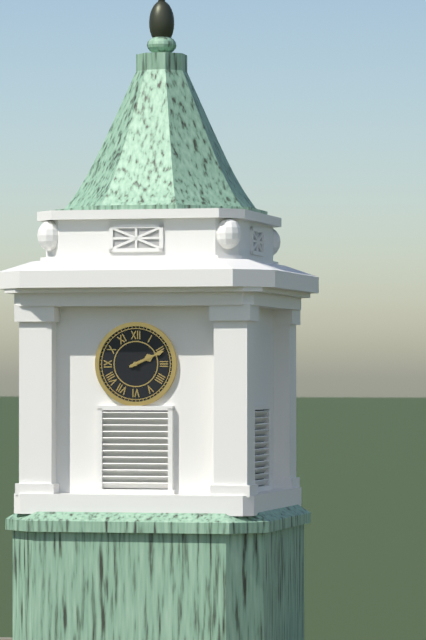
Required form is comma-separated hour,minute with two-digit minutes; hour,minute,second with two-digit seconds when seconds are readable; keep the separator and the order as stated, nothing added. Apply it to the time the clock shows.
2,11
